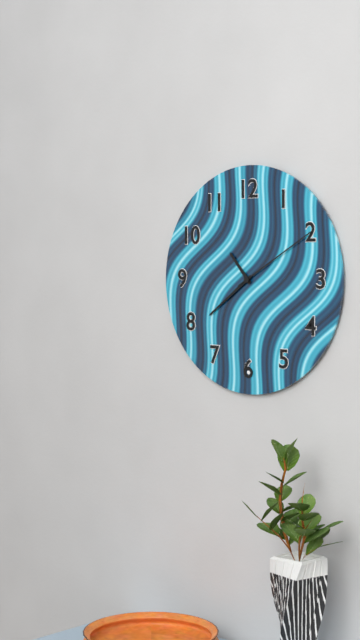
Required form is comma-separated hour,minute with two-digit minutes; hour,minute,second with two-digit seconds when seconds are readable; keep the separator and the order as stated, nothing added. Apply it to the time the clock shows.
10,39,10
